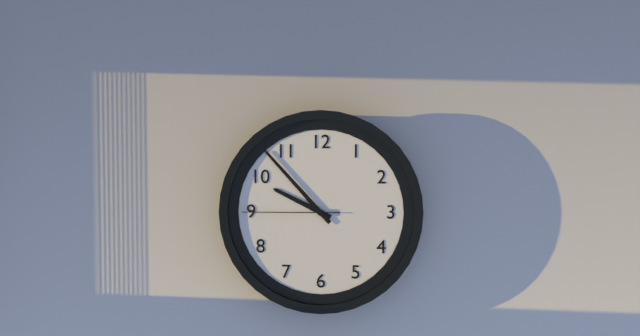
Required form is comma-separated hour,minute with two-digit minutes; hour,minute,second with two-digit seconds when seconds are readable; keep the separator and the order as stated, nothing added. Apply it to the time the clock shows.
9,53,45
